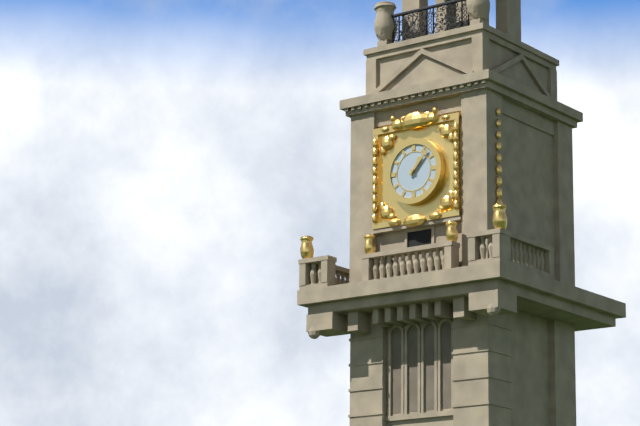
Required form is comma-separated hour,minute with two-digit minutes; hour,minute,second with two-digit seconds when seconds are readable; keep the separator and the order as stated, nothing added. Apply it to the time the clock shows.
1,07
